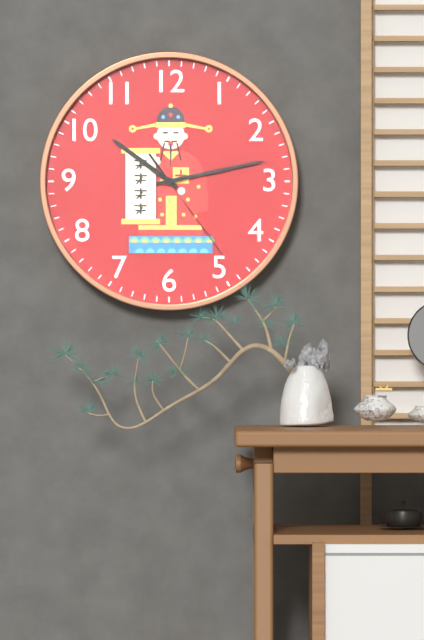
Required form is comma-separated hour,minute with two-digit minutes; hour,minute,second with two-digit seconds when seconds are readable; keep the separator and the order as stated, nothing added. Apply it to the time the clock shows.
10,13,24
